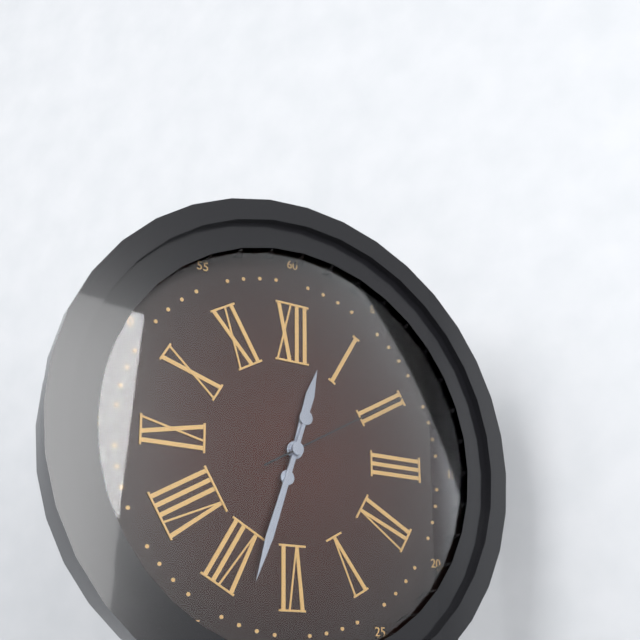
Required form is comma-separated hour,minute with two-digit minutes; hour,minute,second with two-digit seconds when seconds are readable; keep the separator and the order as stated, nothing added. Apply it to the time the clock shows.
12,33,10
